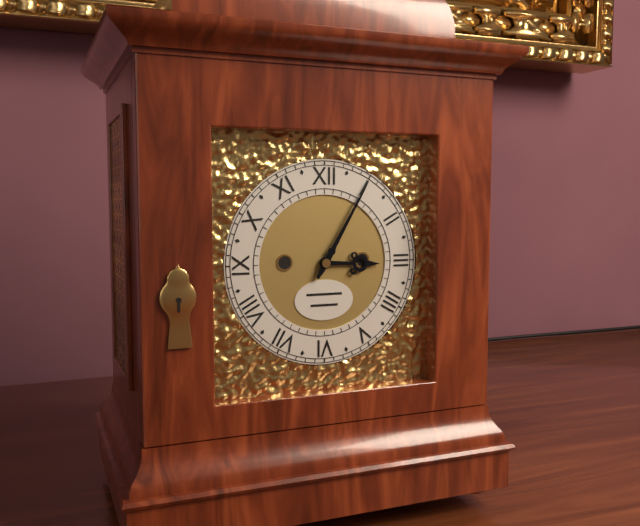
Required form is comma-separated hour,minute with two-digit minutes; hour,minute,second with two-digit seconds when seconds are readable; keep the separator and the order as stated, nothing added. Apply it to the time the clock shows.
3,05
